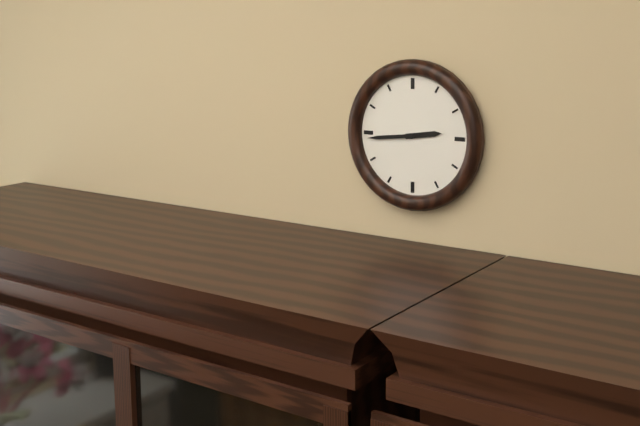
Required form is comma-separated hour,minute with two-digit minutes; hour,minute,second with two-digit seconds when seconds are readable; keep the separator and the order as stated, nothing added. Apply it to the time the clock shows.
2,44
